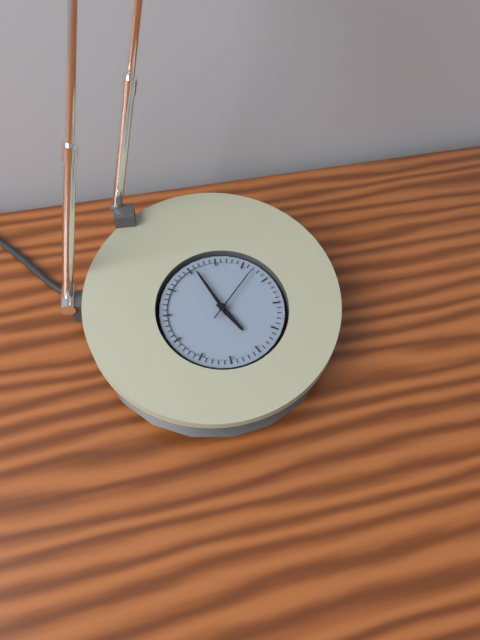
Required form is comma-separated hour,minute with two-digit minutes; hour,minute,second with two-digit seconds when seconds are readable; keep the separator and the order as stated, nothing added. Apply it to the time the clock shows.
4,56,07
